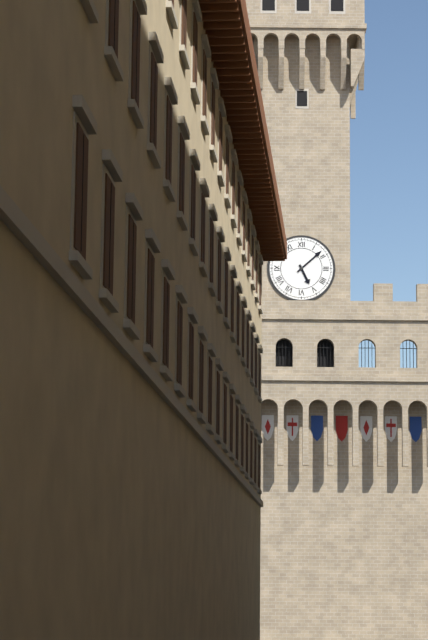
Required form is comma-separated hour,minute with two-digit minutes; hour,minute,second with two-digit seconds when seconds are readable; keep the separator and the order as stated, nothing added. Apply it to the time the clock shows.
5,08
